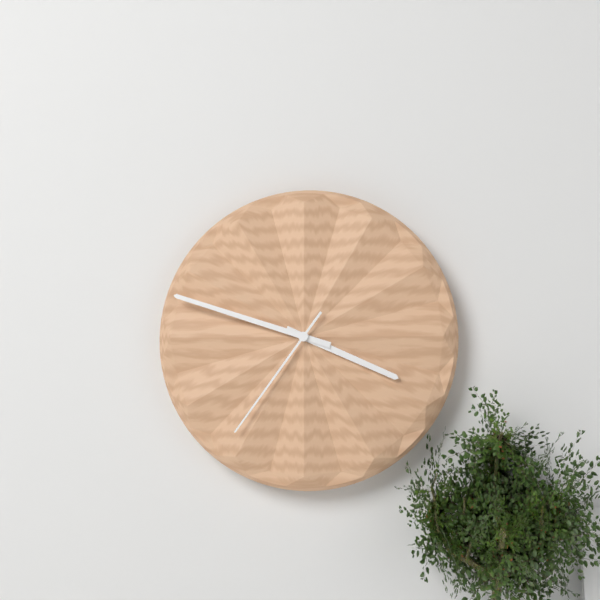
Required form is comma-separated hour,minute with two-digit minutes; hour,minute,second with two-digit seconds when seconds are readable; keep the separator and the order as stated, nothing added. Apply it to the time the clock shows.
3,48,36
